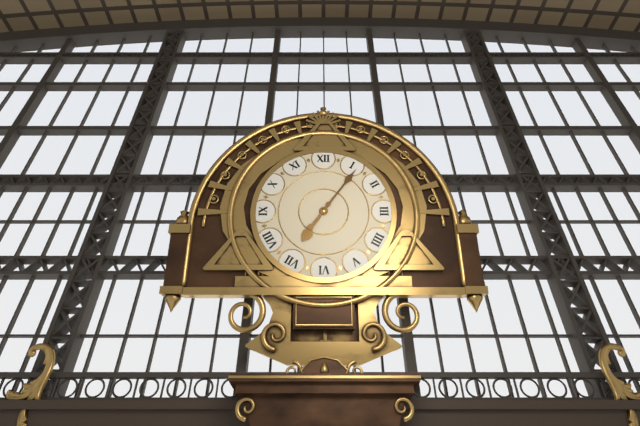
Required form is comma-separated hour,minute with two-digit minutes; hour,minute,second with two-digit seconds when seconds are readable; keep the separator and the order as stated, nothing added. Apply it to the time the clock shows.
7,06
